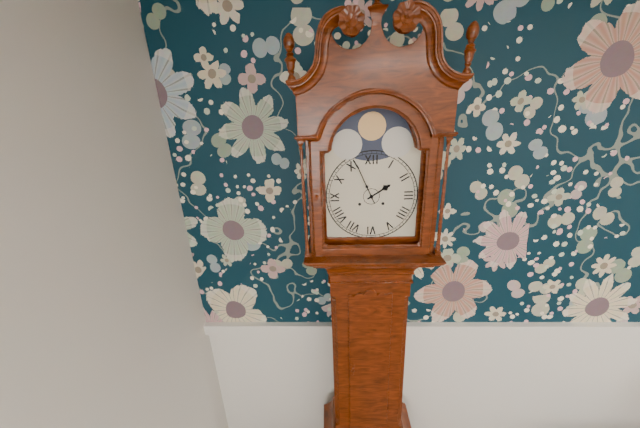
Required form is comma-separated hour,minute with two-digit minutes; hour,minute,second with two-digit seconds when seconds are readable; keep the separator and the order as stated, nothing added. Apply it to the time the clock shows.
1,56
